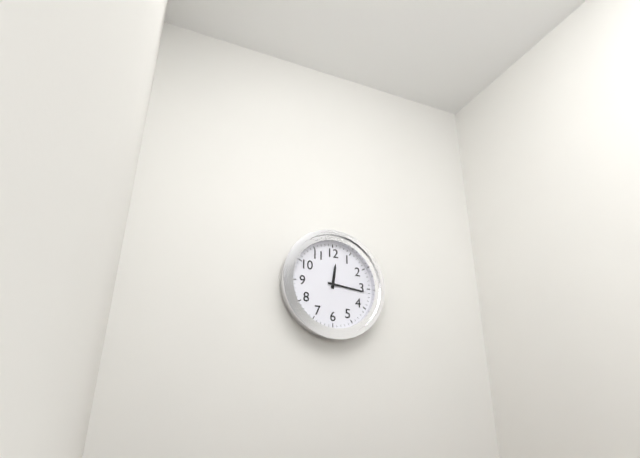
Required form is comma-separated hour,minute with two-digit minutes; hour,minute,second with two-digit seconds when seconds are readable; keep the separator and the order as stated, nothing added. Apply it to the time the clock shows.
12,16
